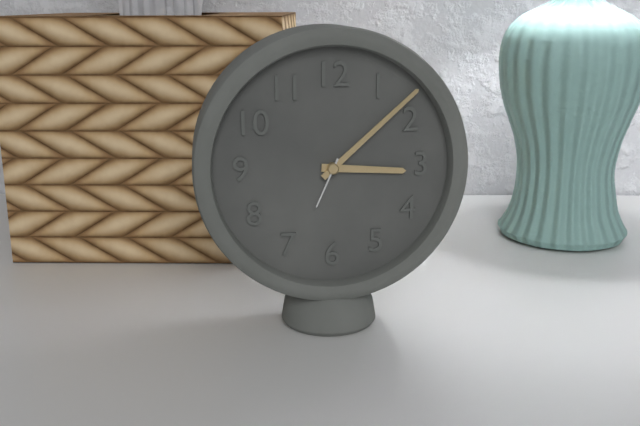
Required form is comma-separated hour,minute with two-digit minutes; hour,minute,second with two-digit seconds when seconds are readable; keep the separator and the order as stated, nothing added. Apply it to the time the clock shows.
3,08,34
